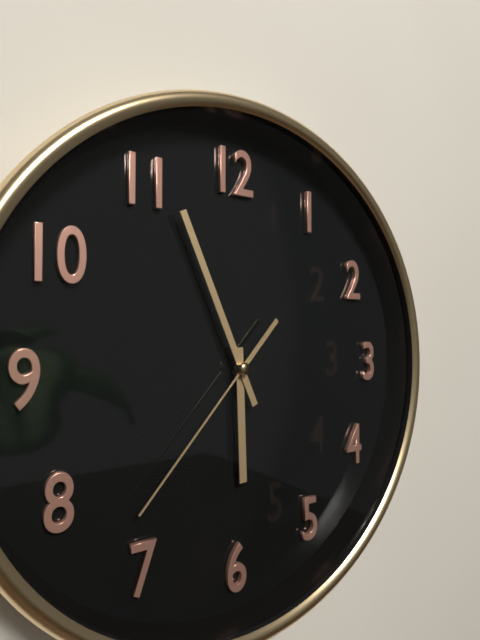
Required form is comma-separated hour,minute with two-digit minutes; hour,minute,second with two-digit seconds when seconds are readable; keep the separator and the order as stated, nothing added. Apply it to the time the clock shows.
5,56,37
